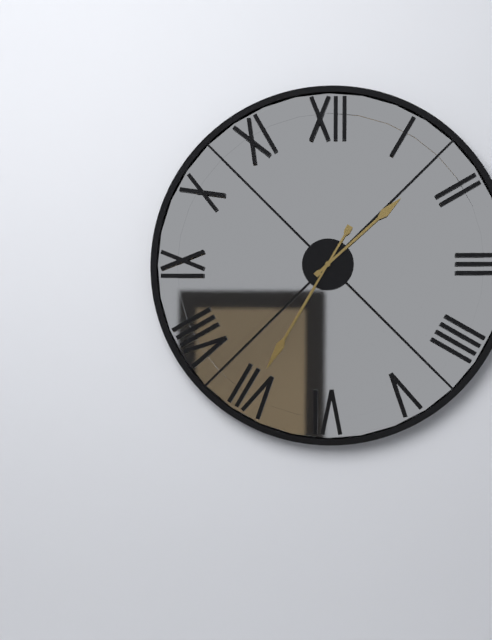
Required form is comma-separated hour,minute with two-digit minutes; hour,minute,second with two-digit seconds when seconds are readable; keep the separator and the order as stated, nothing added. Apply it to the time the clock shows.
1,35
